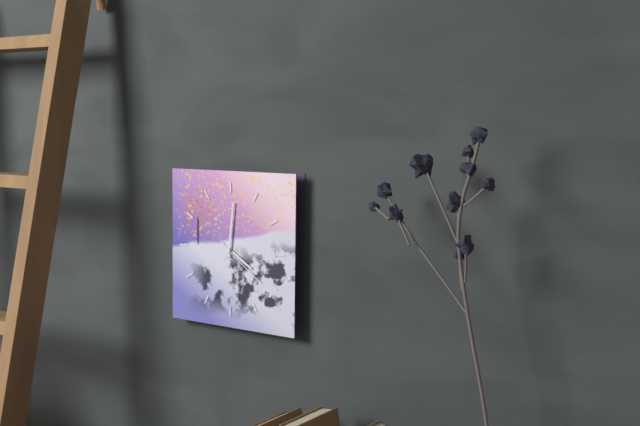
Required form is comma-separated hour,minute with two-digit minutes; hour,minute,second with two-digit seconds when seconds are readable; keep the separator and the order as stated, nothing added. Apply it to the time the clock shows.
4,01,21
